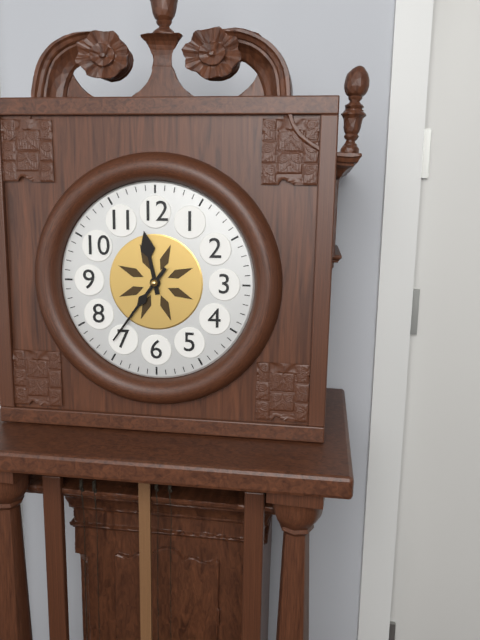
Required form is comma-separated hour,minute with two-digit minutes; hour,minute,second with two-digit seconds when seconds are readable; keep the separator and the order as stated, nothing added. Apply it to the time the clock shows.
11,36
